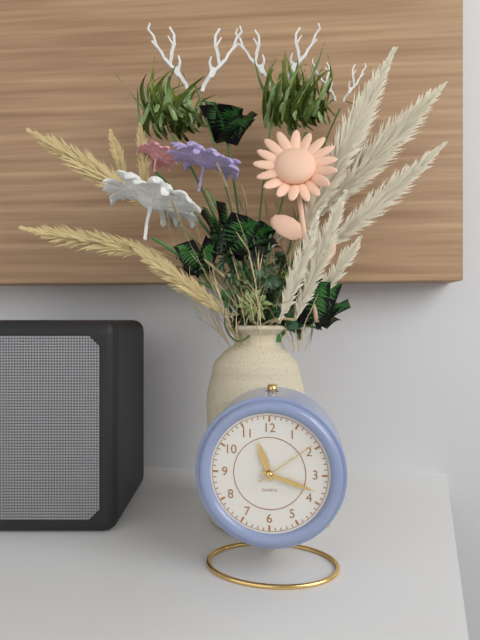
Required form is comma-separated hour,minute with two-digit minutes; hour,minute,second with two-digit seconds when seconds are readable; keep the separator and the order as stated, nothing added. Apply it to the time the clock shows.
11,18,09
